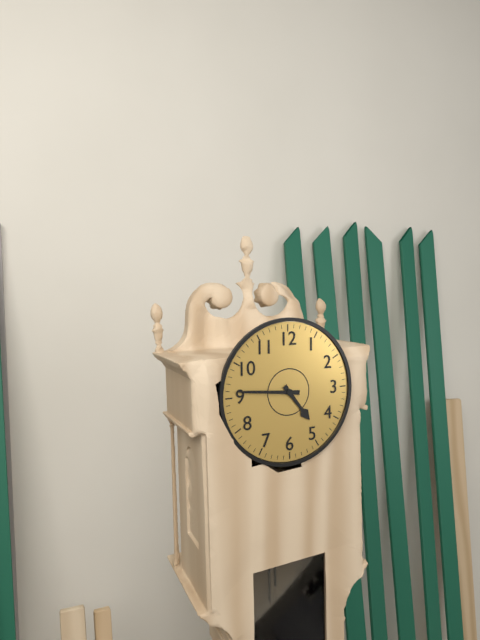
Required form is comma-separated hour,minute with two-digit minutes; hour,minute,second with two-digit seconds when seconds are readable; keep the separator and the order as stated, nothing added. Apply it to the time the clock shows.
4,46
